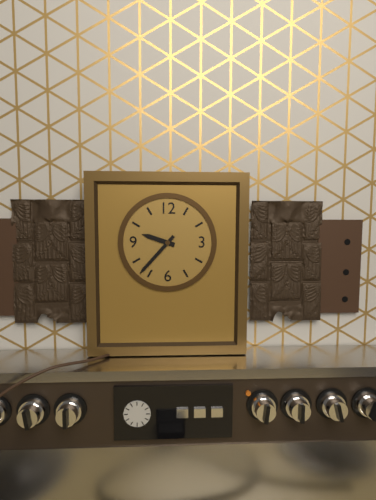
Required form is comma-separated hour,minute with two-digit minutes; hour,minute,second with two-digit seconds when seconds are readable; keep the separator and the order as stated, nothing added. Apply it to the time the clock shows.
9,37
